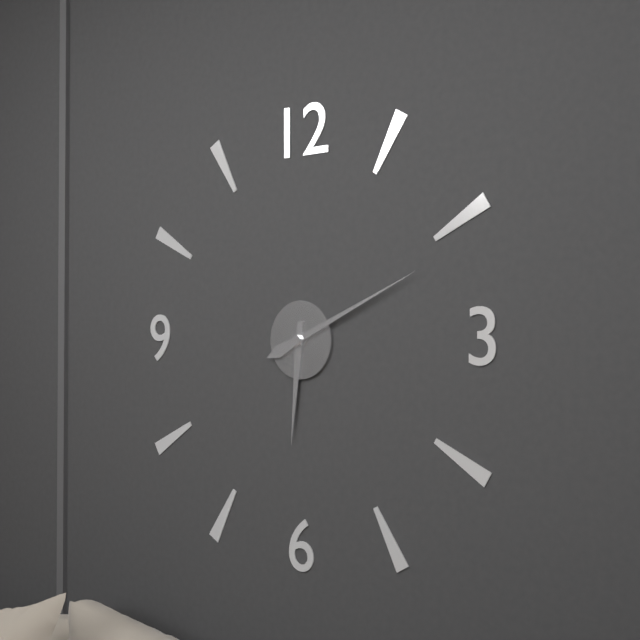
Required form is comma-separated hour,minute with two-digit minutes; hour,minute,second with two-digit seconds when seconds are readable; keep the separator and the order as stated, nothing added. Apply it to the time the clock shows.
6,11
